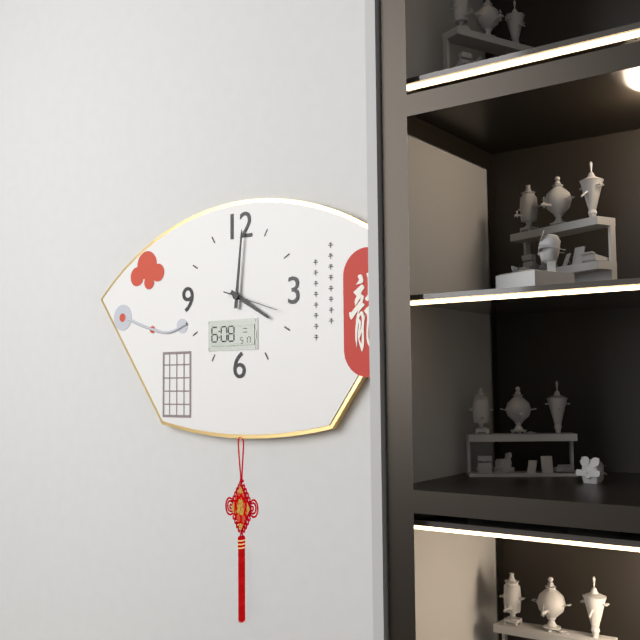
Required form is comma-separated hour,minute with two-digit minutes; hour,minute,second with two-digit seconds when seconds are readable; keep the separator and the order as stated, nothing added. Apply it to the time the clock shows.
4,01,18
